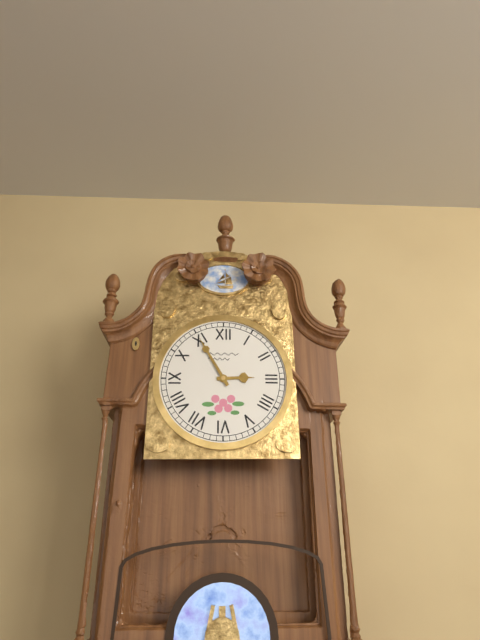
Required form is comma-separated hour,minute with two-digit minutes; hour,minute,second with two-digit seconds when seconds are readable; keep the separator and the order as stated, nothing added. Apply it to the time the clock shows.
2,55
